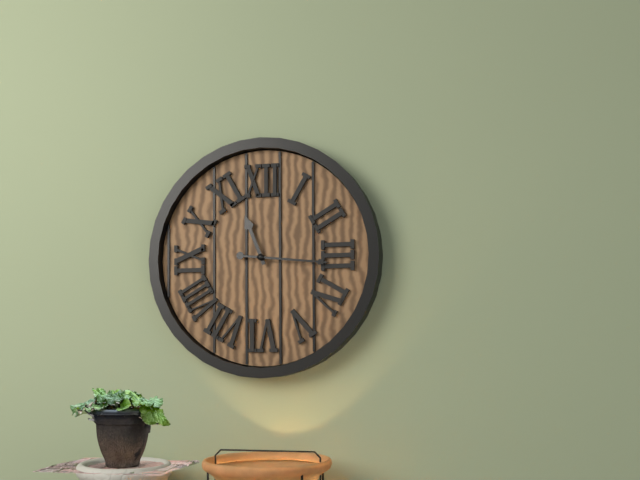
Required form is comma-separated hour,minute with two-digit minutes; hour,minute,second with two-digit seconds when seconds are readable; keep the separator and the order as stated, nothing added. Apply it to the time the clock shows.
11,16
